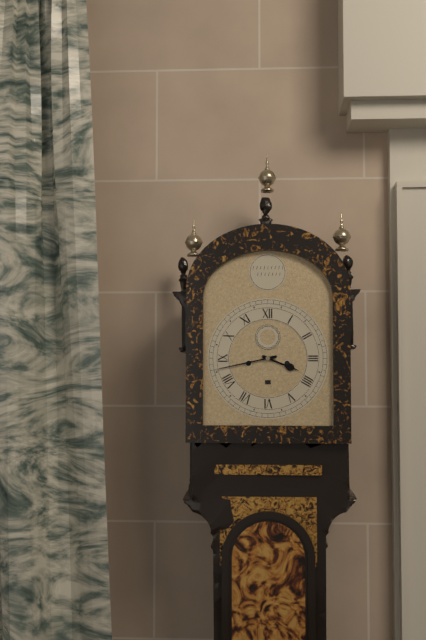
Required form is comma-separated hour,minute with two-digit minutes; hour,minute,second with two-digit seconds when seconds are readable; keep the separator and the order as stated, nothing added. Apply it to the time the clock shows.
3,43
